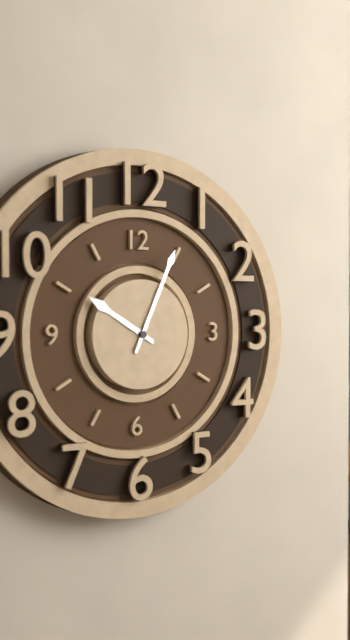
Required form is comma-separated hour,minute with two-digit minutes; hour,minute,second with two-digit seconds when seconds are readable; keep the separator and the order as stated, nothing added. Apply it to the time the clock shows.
10,04
